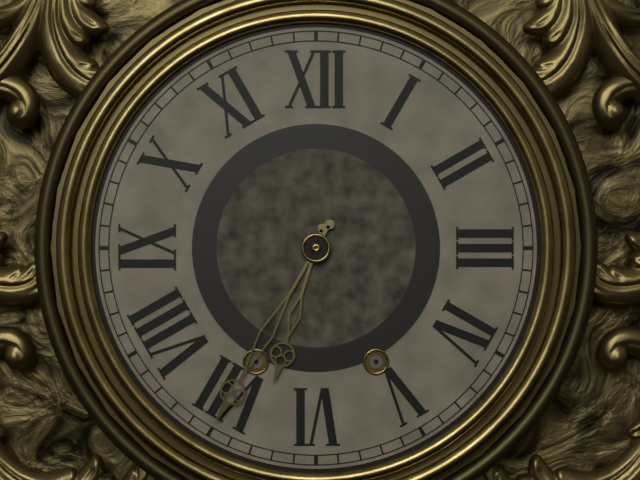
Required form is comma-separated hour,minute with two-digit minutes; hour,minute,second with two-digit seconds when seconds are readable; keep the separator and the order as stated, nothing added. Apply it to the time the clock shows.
6,35
